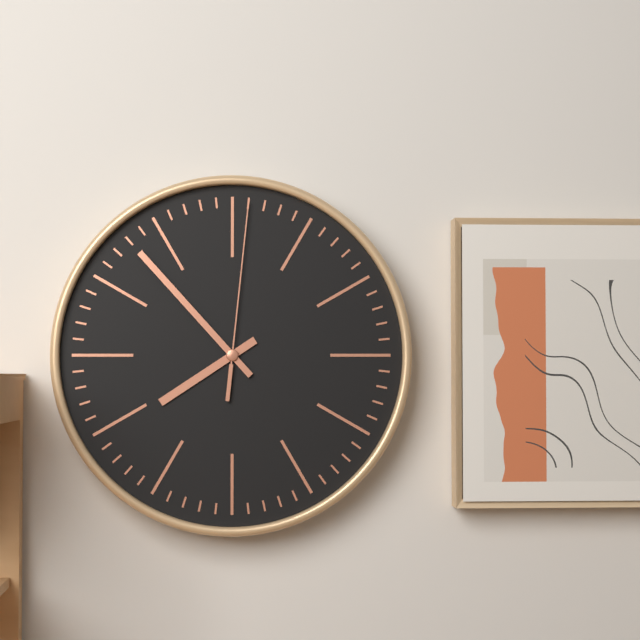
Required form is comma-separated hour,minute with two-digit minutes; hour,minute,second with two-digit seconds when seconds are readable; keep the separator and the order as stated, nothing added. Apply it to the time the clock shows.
7,53,01
